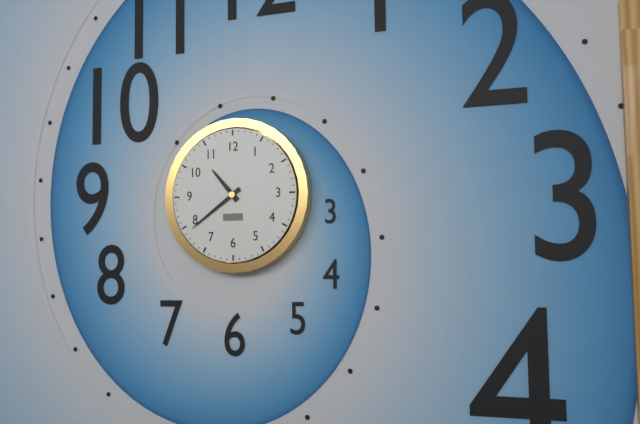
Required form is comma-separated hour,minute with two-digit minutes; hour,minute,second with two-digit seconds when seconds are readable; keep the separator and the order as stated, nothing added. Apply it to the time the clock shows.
10,39
